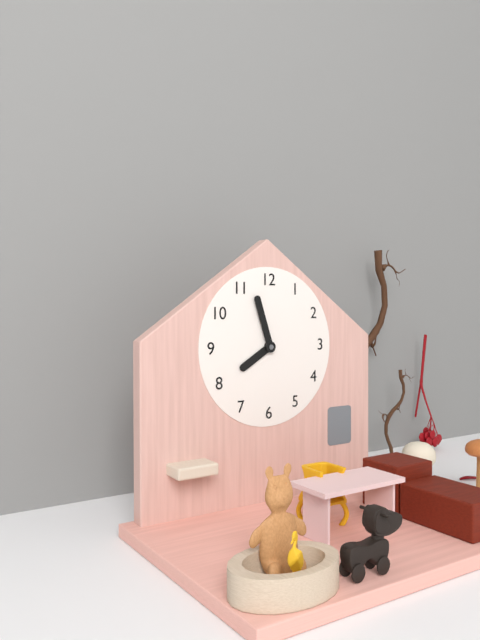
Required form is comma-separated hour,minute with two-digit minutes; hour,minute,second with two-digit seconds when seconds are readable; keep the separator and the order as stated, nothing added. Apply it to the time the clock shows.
7,57
